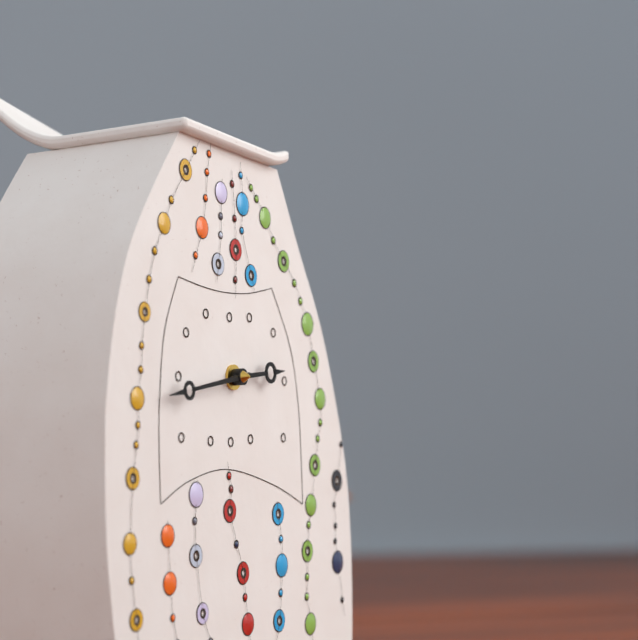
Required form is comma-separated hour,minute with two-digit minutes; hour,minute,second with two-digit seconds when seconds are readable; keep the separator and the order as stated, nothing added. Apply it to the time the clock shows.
2,43
